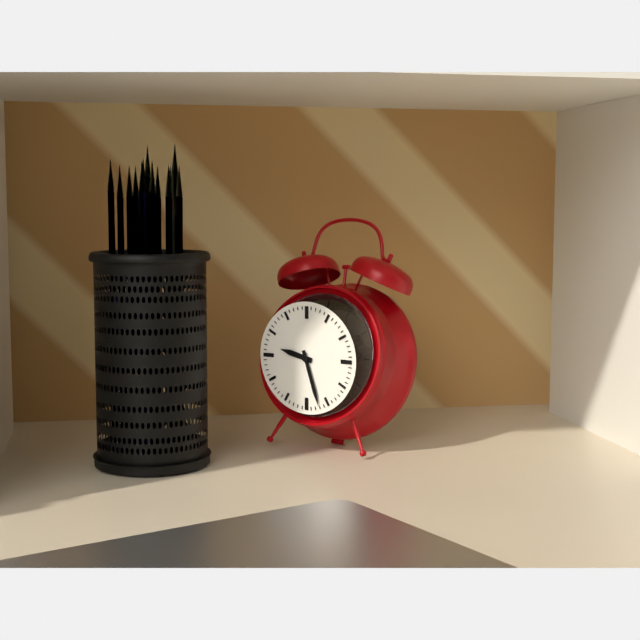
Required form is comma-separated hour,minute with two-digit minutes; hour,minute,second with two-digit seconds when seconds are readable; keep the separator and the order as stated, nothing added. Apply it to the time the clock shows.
9,27
